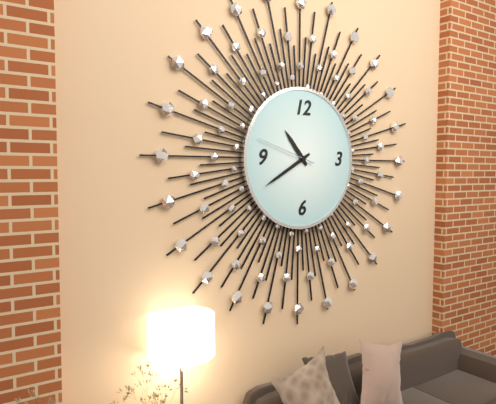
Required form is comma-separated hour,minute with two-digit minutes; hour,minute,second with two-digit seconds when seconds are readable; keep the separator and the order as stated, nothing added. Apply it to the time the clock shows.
10,40,48
